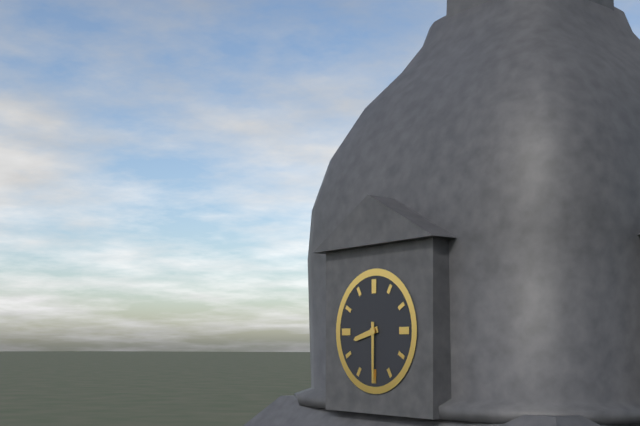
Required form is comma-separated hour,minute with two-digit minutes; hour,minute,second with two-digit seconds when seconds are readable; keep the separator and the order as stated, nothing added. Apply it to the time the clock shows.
8,30
